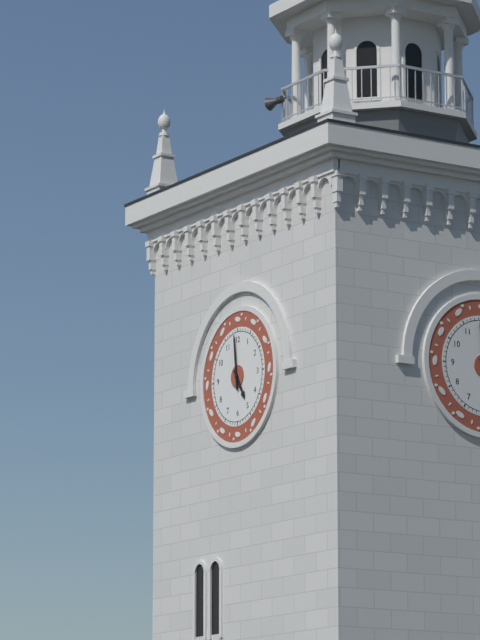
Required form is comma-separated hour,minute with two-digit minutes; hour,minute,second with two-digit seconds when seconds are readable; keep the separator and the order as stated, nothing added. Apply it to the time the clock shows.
4,59
